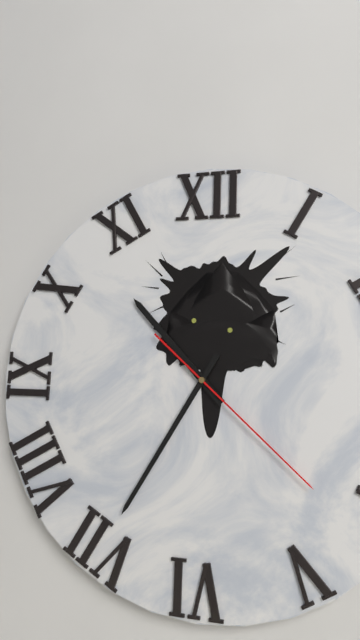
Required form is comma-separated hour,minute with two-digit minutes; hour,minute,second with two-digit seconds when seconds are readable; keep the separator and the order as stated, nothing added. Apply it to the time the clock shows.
10,35,22
